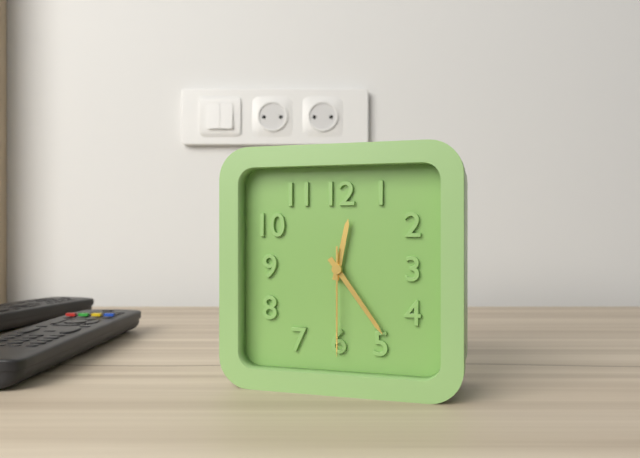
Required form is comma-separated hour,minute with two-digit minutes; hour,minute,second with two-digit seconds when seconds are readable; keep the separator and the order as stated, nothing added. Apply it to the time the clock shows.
12,24,30
